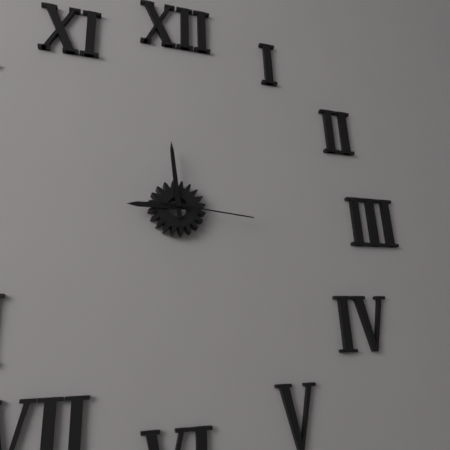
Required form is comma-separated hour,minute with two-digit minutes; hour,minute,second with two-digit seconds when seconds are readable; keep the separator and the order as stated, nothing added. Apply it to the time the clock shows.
8,59,16
